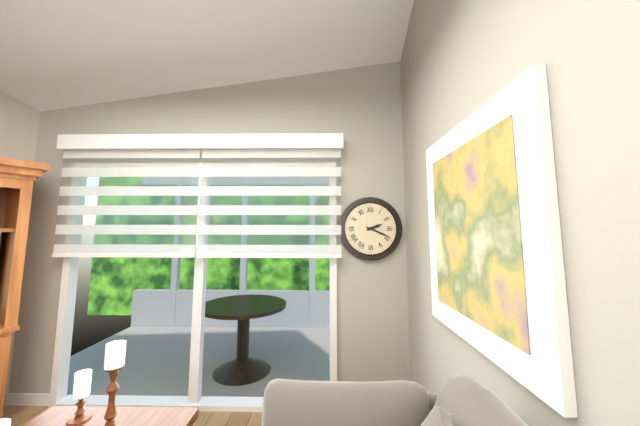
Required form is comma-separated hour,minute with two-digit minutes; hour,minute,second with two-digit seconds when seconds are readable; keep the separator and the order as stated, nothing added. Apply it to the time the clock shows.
2,19
